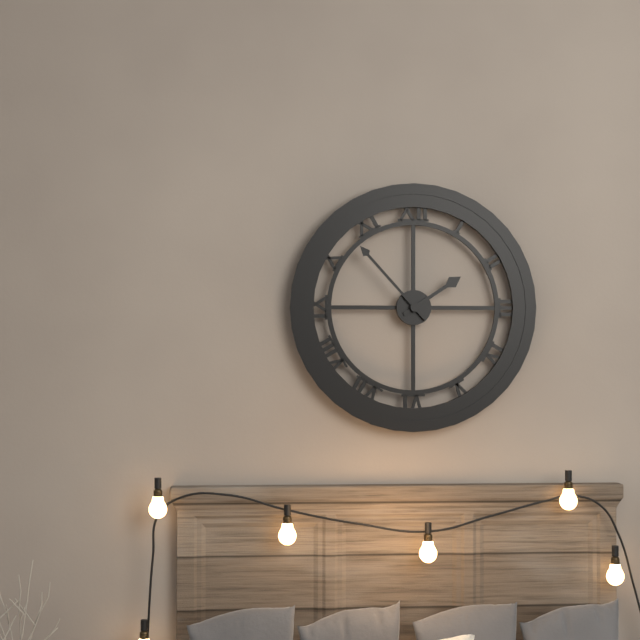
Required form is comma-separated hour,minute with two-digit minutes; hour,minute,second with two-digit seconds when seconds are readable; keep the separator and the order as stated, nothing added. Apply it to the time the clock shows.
1,53
